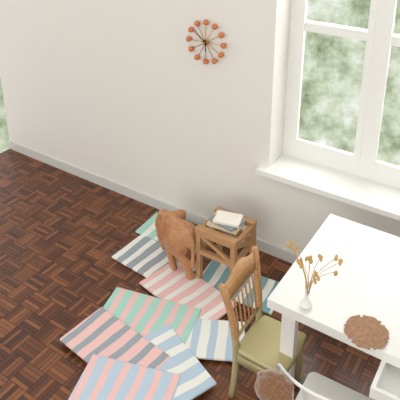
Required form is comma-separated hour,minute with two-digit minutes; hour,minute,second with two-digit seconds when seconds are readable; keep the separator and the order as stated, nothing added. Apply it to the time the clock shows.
5,52
